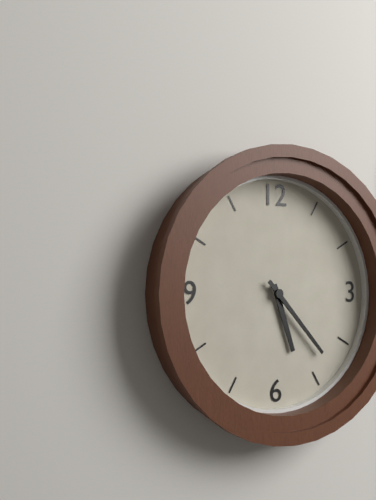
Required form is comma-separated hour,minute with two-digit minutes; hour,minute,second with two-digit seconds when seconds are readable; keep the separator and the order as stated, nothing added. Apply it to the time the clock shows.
5,23
